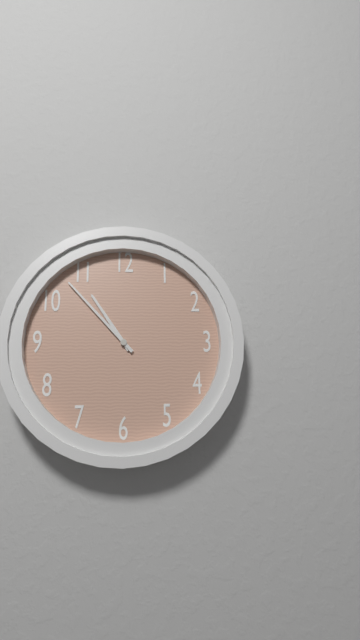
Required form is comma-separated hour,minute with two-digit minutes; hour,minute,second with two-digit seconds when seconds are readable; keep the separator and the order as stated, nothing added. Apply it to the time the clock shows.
10,53
